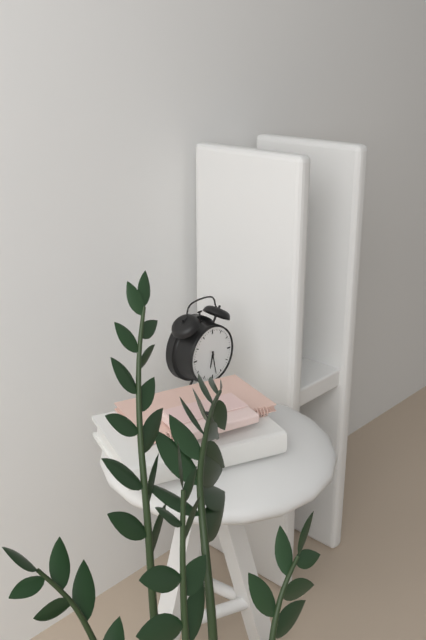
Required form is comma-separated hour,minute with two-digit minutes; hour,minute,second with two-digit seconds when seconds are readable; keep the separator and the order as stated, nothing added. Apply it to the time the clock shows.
6,28
